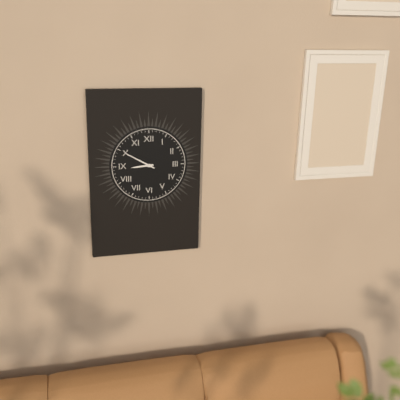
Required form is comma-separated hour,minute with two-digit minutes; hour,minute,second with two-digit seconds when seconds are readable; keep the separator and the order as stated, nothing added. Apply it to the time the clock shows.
8,50
